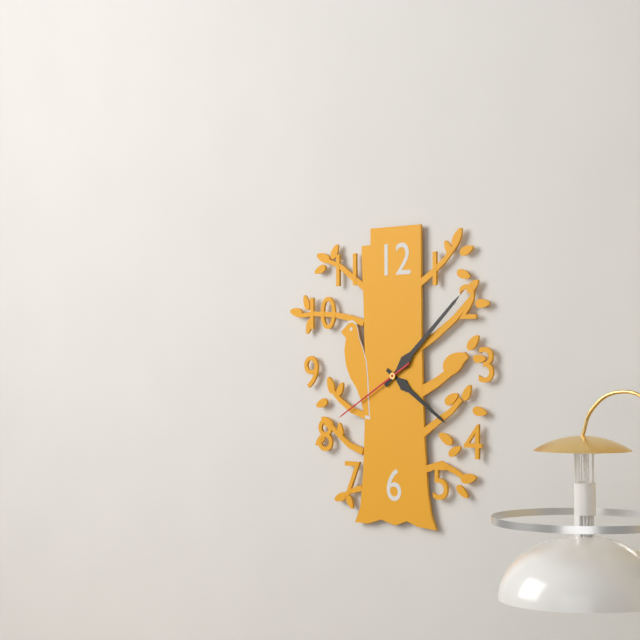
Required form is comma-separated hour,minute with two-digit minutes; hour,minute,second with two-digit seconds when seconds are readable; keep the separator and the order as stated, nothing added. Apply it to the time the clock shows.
4,08,40
